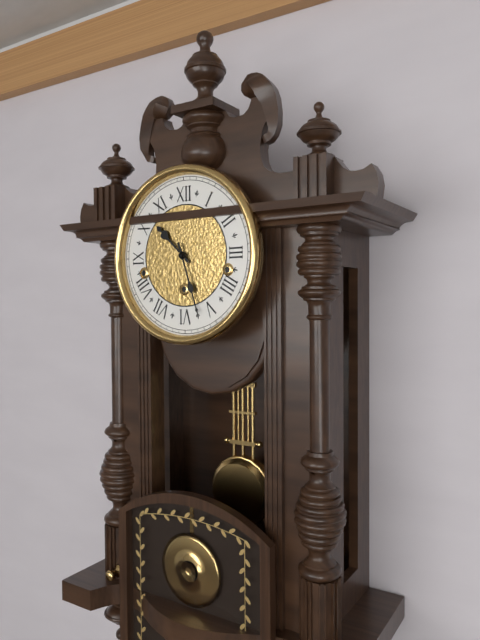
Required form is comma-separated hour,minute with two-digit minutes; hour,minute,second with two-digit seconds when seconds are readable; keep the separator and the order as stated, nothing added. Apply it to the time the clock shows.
10,27
